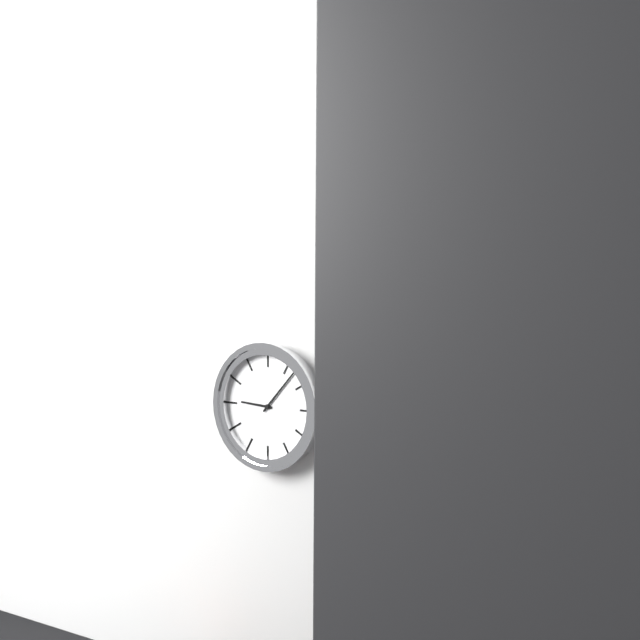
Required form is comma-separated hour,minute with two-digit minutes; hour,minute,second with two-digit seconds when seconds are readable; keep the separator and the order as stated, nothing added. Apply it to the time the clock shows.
9,07
